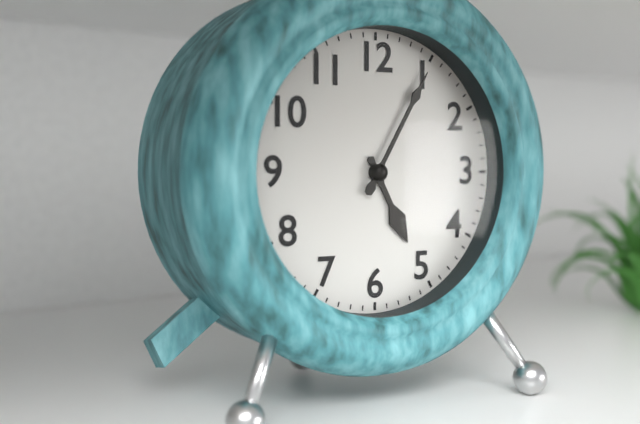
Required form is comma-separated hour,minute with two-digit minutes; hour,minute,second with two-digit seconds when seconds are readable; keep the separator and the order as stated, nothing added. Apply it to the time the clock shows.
5,05
